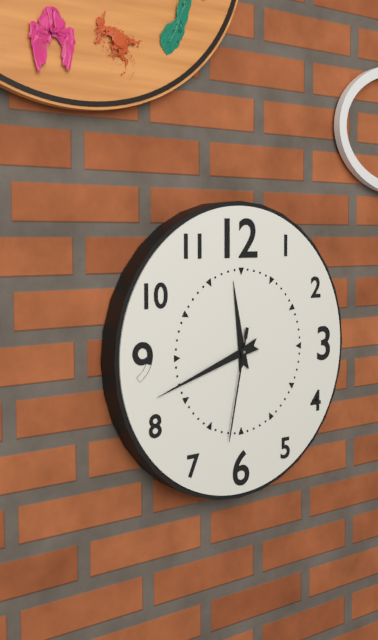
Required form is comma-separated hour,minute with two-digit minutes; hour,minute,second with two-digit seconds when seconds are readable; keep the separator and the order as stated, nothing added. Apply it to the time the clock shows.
11,42,32
